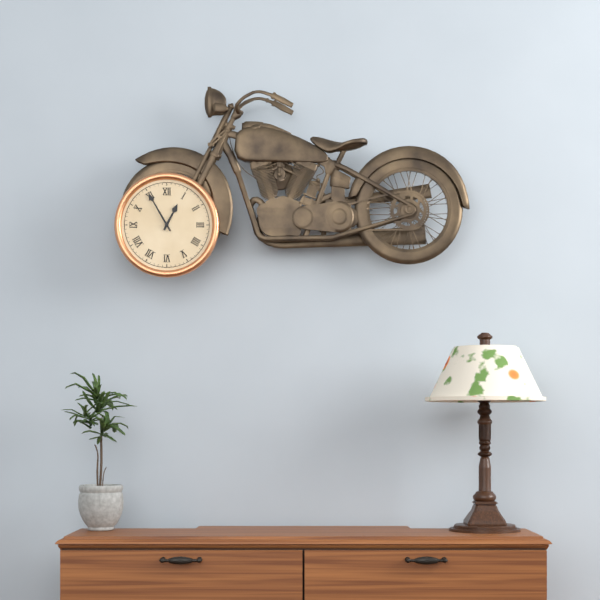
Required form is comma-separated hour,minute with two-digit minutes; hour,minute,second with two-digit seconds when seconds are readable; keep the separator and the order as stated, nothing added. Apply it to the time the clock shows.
12,55
